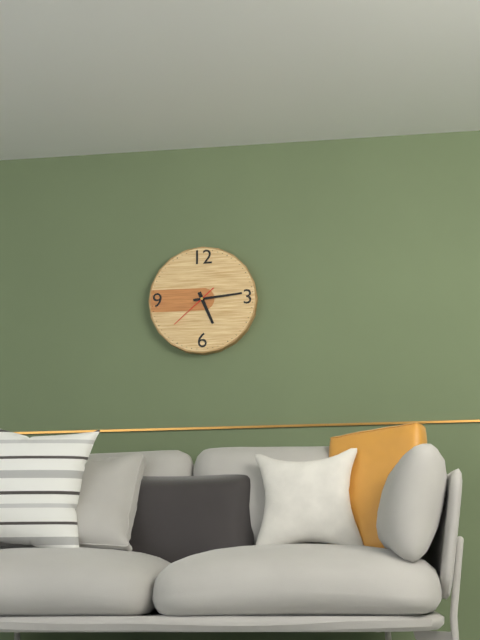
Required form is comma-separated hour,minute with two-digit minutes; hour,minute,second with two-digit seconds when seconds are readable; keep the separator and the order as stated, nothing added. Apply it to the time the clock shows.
5,14
